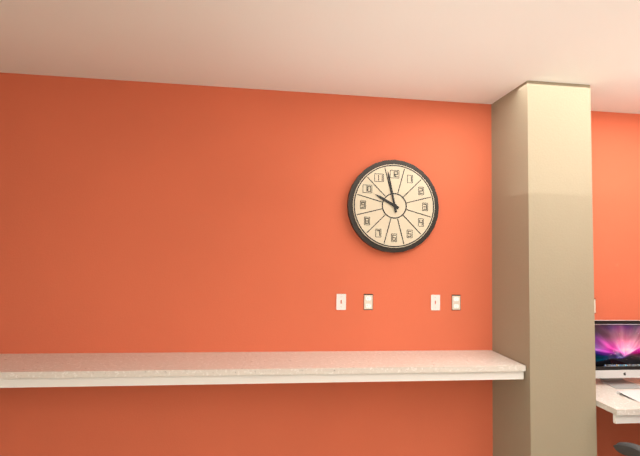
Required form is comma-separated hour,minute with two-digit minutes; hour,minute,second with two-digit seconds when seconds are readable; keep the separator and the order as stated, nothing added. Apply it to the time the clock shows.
9,58
